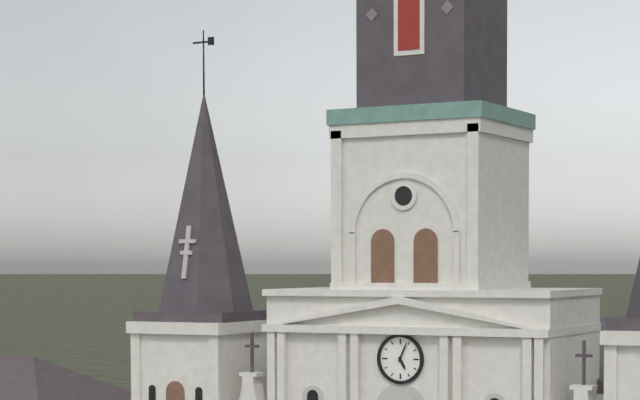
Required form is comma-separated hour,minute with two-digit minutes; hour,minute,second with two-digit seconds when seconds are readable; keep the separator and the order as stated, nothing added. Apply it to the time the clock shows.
5,04
